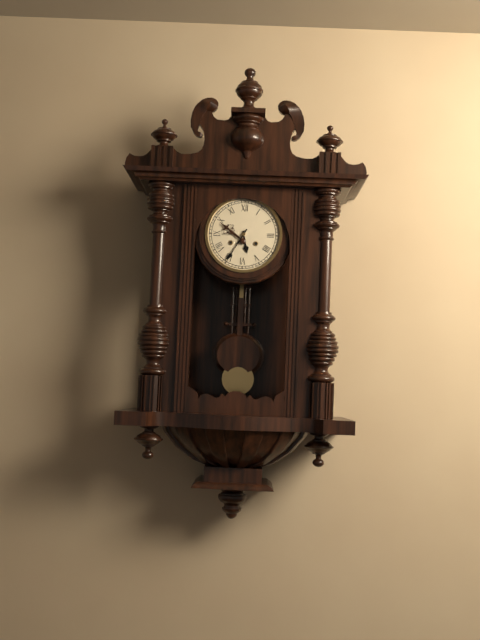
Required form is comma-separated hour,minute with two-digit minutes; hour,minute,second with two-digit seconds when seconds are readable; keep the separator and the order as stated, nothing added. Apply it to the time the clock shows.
5,35
